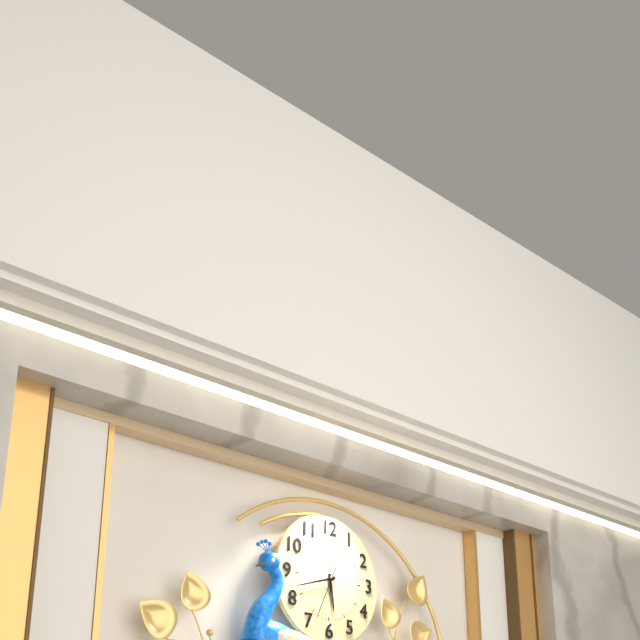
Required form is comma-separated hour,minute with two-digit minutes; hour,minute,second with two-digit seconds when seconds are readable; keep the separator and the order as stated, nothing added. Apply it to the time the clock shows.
5,42,34
